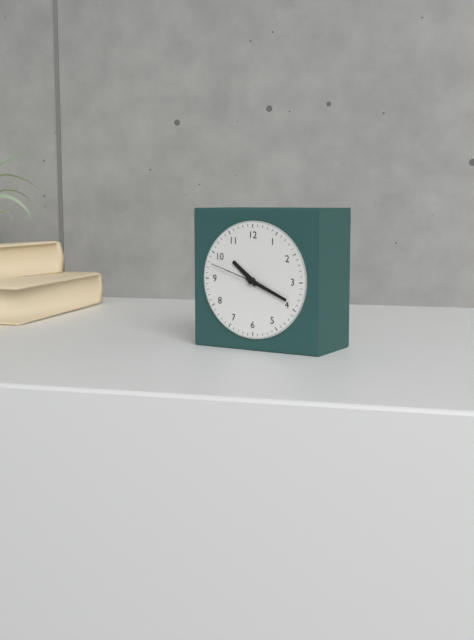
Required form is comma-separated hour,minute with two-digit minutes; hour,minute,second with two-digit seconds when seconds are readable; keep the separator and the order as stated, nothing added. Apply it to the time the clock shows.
10,19,48
